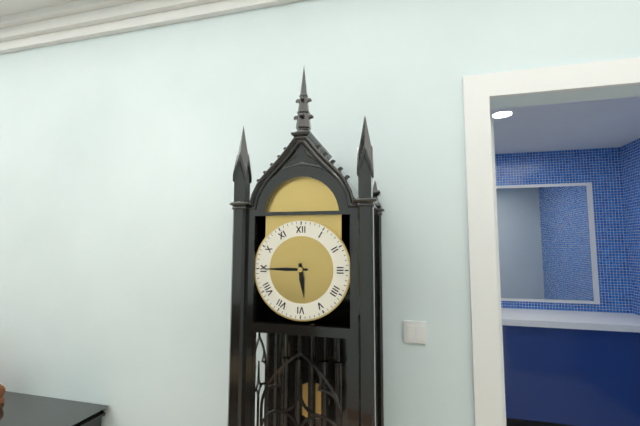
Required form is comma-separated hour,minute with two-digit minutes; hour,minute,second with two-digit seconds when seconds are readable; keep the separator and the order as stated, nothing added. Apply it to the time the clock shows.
5,45
